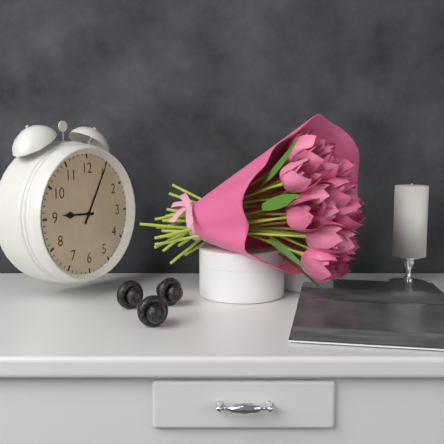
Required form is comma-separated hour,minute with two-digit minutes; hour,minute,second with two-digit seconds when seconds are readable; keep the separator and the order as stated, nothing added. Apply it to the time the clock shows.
9,05
